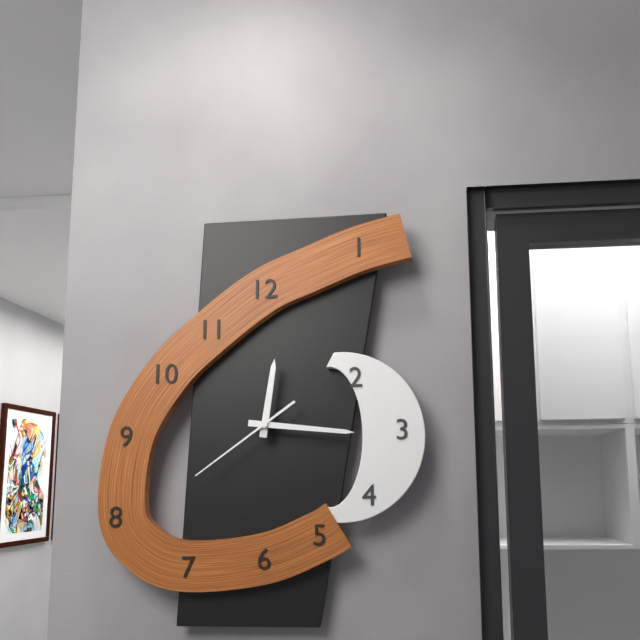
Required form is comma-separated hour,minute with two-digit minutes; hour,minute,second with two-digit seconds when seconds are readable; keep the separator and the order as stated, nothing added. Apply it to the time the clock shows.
12,16,39
